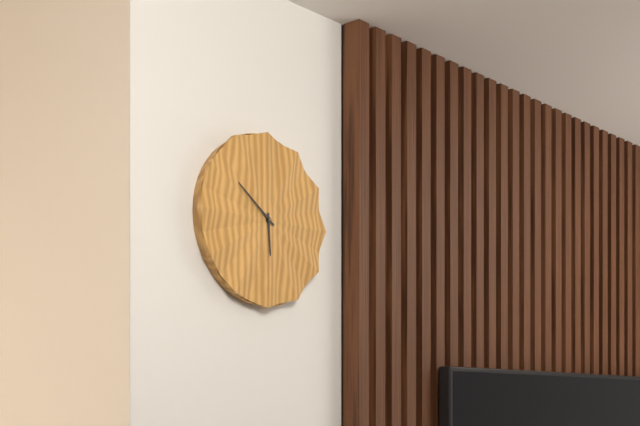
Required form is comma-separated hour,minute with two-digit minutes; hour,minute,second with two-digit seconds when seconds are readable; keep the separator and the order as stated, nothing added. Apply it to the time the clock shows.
5,51
